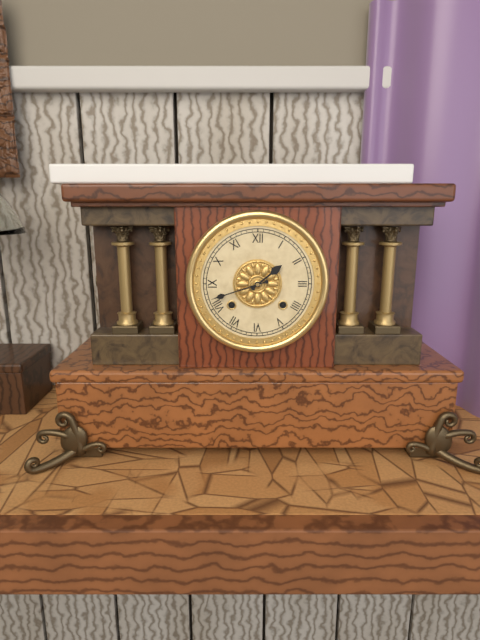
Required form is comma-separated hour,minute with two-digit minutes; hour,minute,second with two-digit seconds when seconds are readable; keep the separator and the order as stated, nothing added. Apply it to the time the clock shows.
1,42
